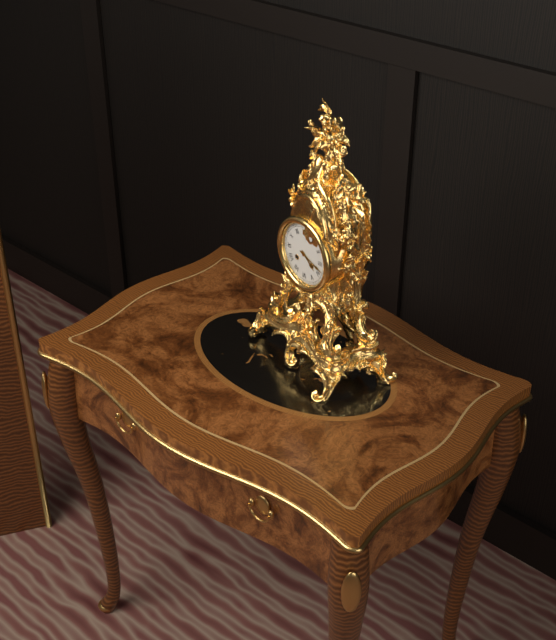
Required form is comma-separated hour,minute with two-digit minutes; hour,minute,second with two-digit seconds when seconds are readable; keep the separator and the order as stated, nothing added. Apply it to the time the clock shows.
4,18
